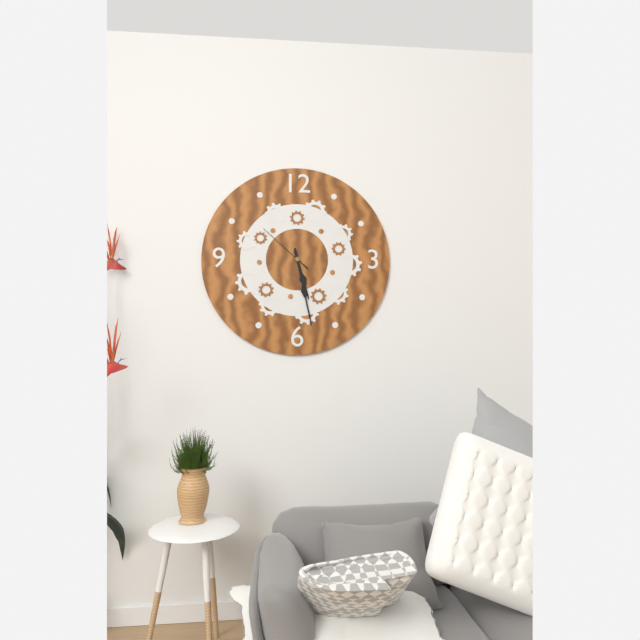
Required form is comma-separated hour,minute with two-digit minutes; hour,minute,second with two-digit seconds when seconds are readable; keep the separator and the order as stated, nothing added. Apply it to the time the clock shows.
5,28,52
